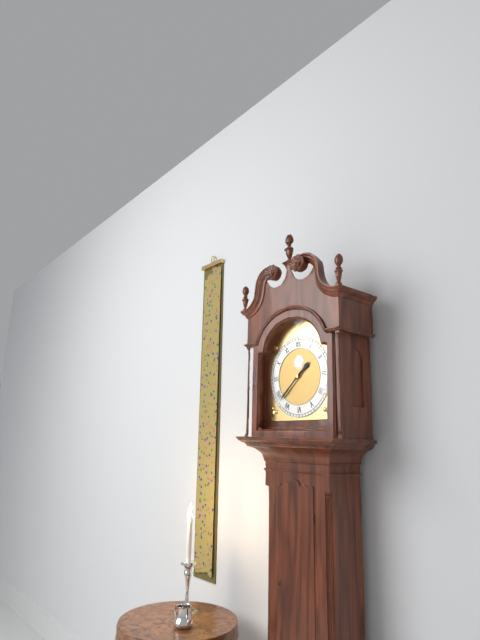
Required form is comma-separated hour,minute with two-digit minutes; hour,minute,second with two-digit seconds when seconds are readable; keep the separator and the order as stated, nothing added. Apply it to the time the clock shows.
1,38
